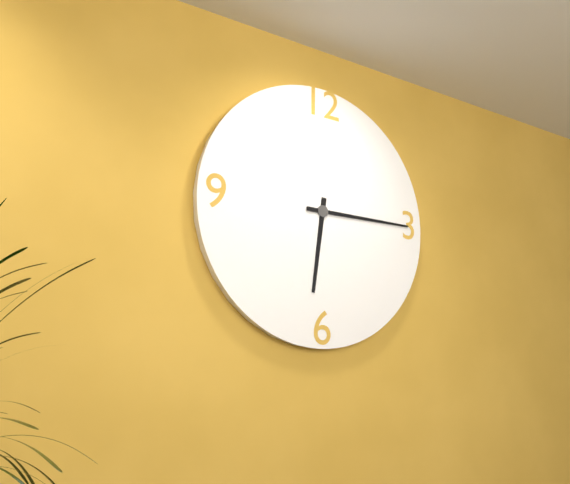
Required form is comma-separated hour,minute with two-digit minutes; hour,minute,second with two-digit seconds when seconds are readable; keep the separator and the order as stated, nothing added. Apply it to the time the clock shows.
6,15
